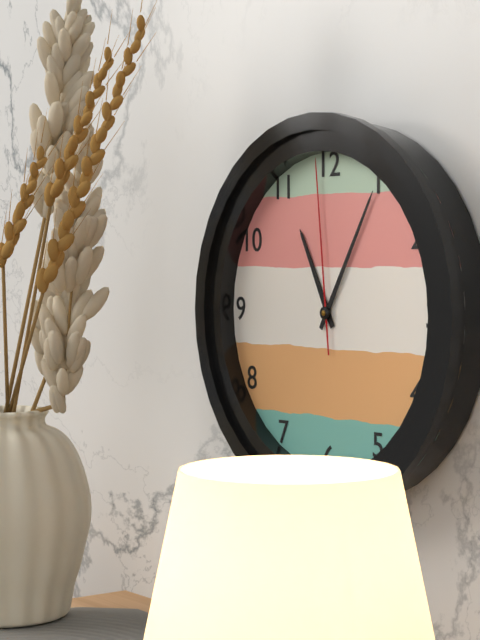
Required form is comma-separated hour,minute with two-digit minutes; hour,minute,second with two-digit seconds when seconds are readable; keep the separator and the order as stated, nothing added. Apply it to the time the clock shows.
11,05,59
